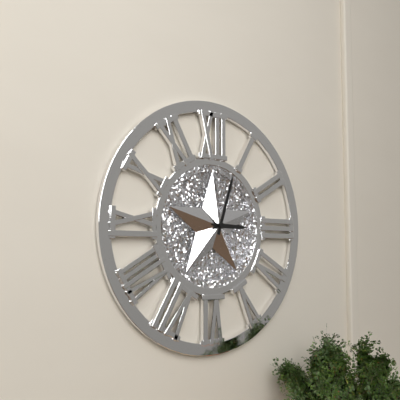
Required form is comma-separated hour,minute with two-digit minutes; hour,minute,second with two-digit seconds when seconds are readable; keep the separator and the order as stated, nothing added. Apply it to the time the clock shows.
3,03
